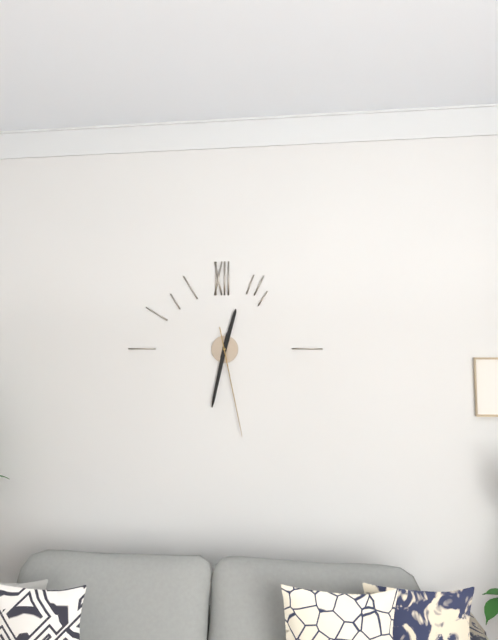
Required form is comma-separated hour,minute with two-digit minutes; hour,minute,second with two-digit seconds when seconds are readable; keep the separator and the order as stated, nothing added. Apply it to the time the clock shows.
12,32,28
